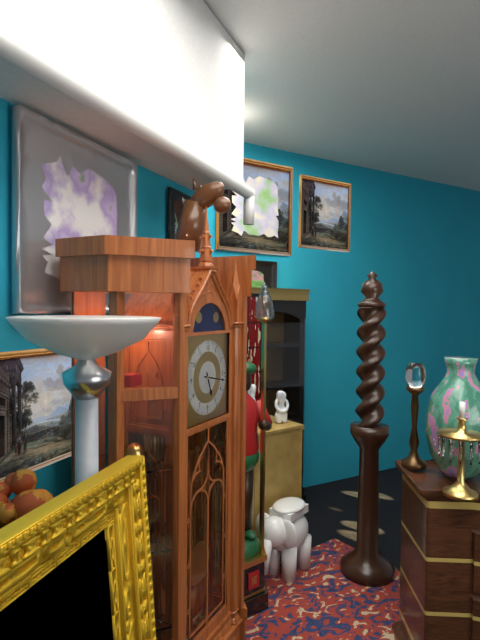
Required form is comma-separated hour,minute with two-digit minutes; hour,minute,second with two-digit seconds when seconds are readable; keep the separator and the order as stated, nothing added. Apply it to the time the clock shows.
5,17
